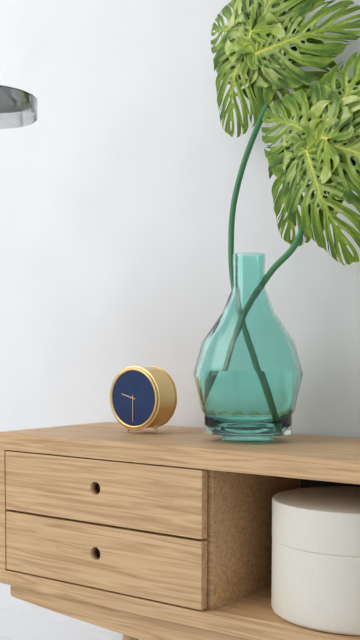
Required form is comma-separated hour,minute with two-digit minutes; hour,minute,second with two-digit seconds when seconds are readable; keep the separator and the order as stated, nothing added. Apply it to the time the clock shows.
9,30
